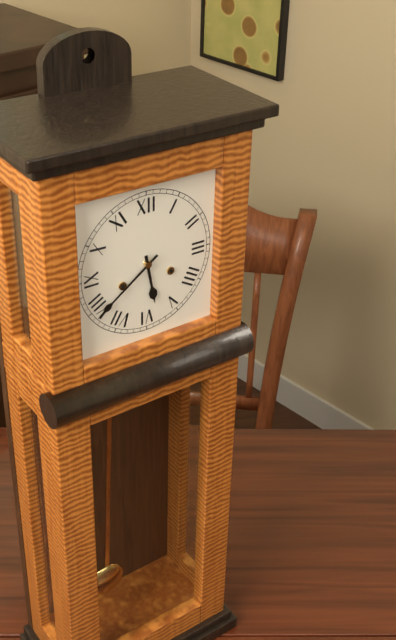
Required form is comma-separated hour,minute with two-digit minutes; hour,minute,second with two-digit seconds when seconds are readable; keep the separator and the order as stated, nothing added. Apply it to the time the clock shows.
5,39
